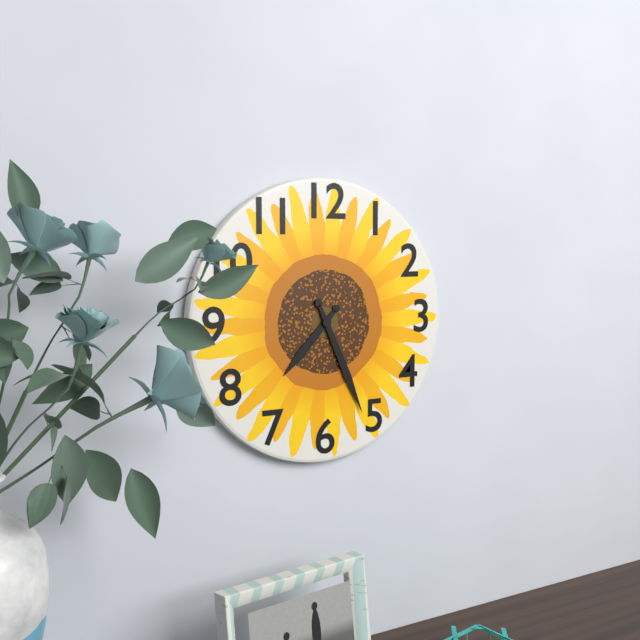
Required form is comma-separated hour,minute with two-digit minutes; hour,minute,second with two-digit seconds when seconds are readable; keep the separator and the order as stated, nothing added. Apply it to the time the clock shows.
7,26
